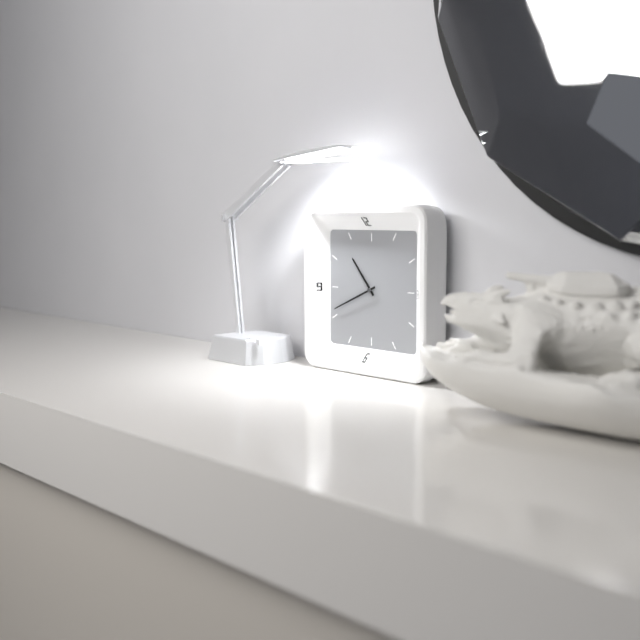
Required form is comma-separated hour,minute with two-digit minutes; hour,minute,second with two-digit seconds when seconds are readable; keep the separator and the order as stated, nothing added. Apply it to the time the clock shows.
10,41
